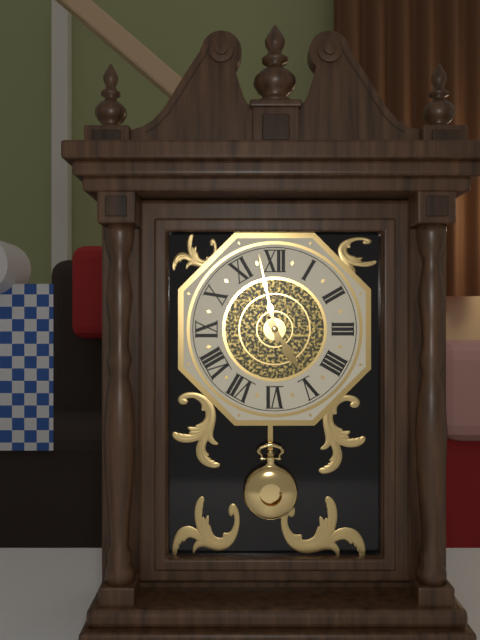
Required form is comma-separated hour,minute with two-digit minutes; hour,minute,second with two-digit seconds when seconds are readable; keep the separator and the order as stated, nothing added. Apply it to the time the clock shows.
4,58
